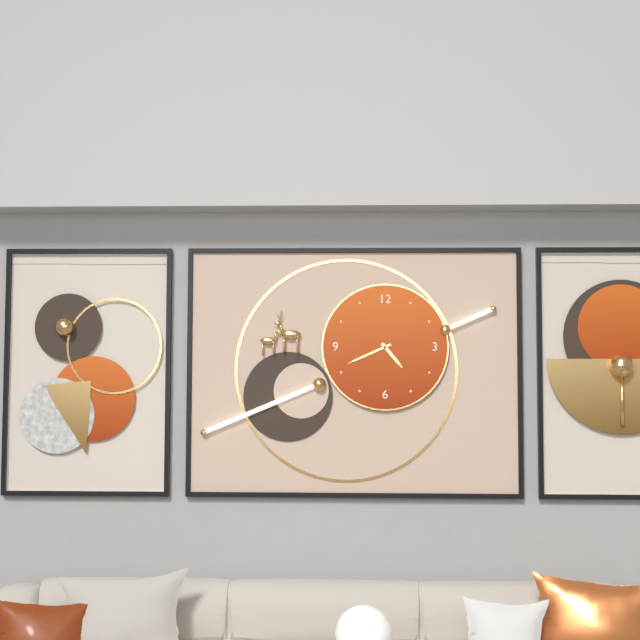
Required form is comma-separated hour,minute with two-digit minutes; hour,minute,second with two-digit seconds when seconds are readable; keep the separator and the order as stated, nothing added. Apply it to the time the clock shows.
4,41
